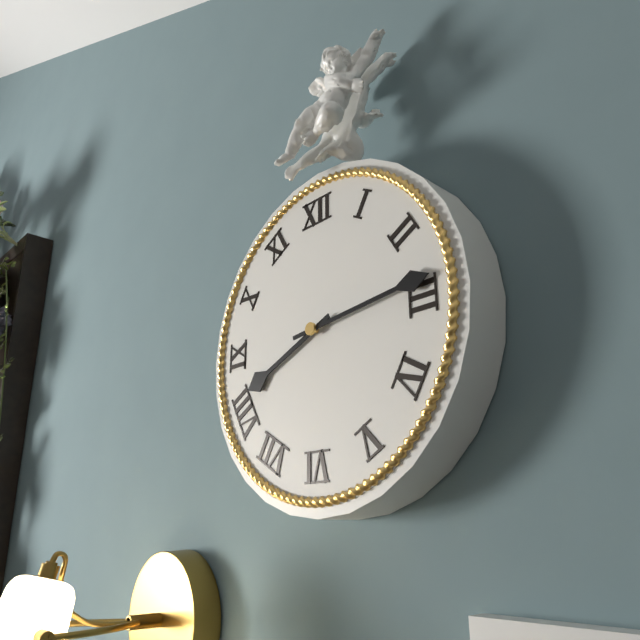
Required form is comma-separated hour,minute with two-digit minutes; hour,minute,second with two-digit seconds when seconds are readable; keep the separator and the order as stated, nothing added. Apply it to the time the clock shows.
8,14
